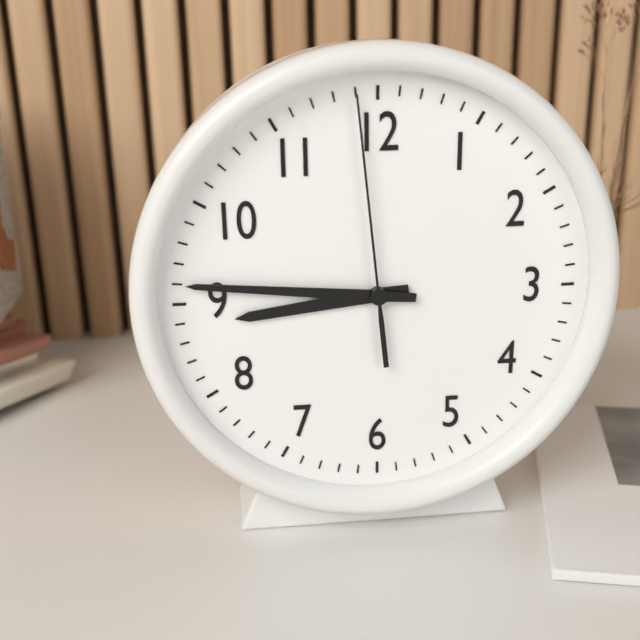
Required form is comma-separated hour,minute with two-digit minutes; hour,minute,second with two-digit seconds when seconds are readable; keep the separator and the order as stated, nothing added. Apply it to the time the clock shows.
8,46,59
